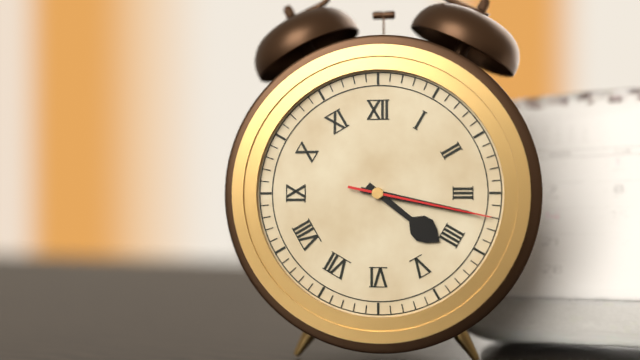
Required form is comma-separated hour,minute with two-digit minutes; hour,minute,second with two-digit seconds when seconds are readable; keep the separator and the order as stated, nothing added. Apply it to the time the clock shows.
4,17,17
